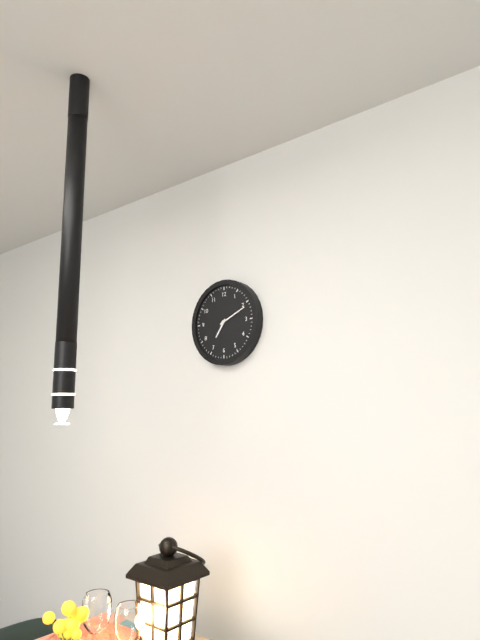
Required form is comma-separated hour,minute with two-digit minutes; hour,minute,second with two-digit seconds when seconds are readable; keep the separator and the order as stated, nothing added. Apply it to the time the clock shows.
7,11
